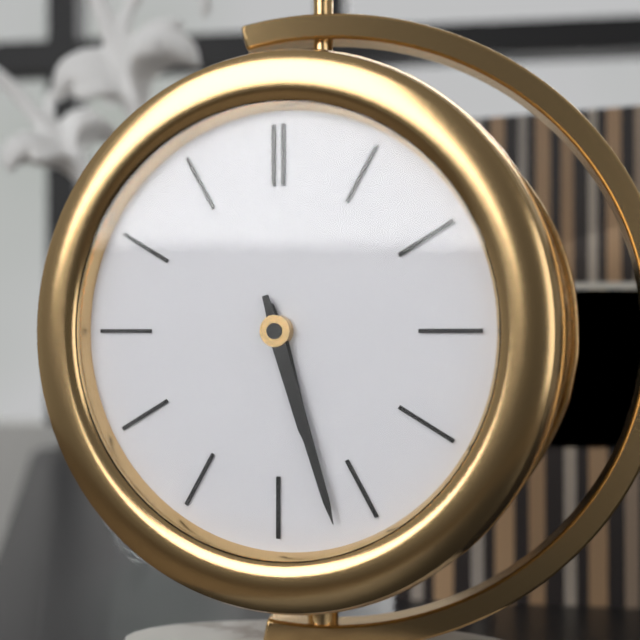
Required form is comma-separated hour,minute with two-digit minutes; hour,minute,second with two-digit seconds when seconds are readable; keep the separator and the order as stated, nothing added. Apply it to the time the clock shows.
5,27
